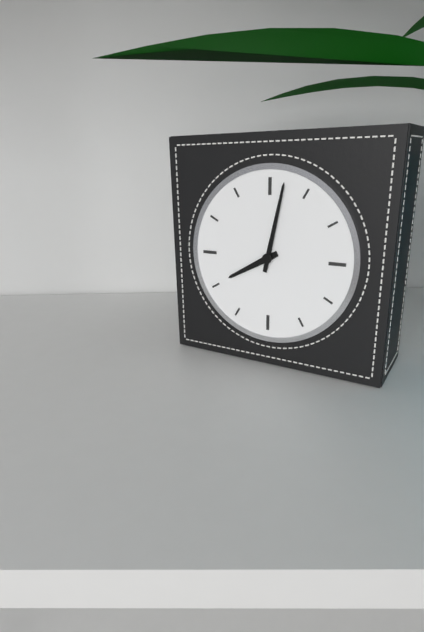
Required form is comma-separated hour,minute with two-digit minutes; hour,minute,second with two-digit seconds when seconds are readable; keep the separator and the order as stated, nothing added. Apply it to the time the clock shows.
8,02
